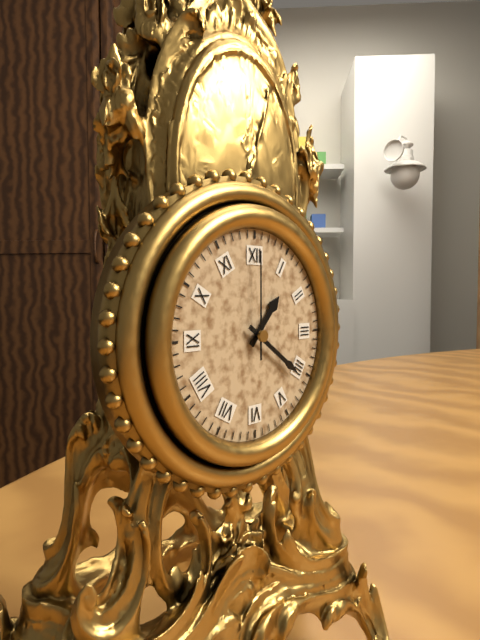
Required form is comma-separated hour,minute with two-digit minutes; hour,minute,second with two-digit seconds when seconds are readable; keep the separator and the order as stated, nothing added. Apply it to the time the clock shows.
1,21,00
